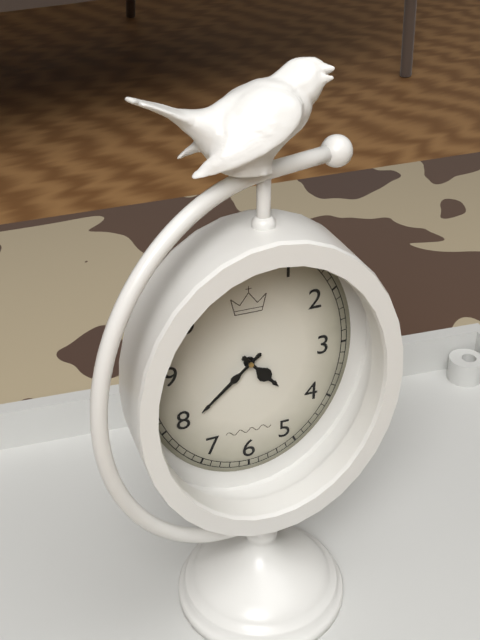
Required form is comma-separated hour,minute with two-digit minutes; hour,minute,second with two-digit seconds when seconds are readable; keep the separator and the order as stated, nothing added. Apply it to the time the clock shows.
4,38
